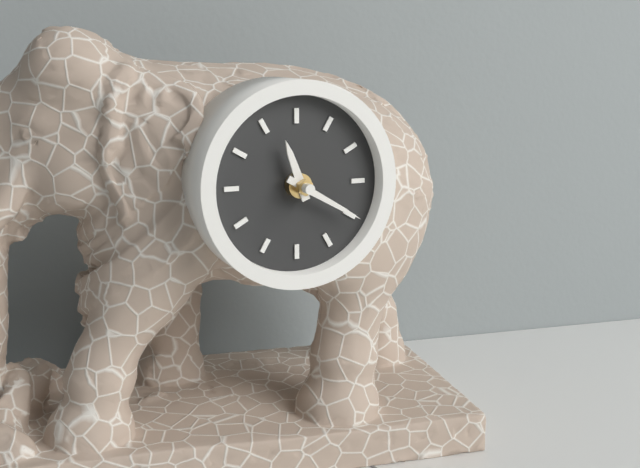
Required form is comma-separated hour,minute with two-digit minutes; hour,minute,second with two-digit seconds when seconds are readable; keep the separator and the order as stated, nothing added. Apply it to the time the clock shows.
11,20
